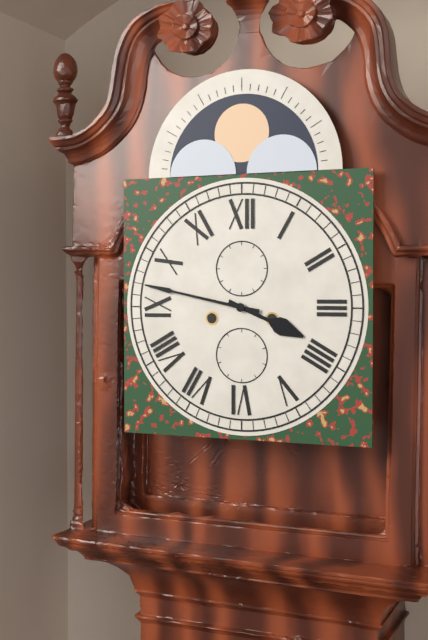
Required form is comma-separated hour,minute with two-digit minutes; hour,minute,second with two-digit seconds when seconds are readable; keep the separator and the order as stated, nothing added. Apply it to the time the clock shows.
3,47
